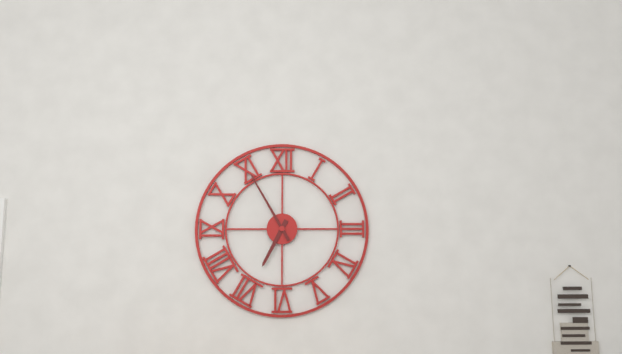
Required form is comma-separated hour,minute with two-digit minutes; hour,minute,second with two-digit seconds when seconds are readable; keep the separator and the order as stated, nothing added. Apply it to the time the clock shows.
6,55
